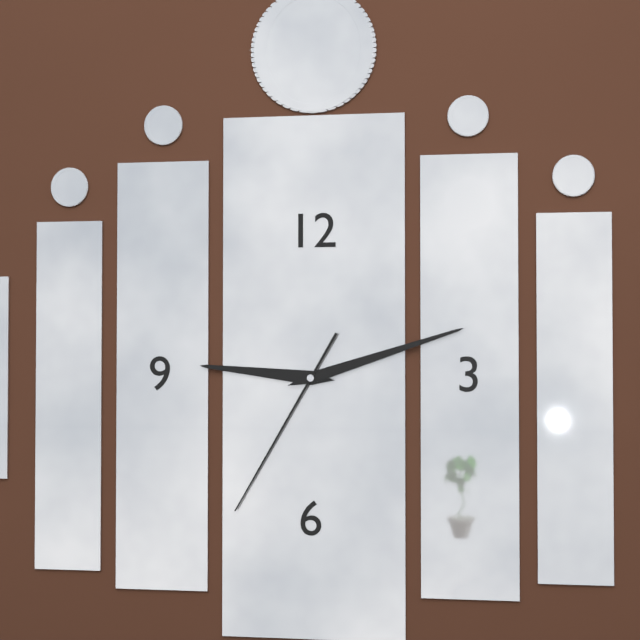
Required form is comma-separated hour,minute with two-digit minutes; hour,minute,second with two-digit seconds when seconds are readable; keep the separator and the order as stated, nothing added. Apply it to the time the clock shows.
9,12,35
